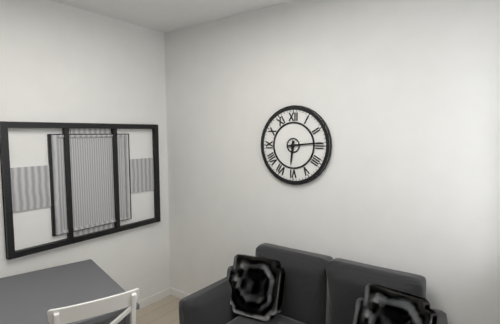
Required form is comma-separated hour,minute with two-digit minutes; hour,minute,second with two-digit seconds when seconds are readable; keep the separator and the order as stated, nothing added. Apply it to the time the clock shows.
6,14
